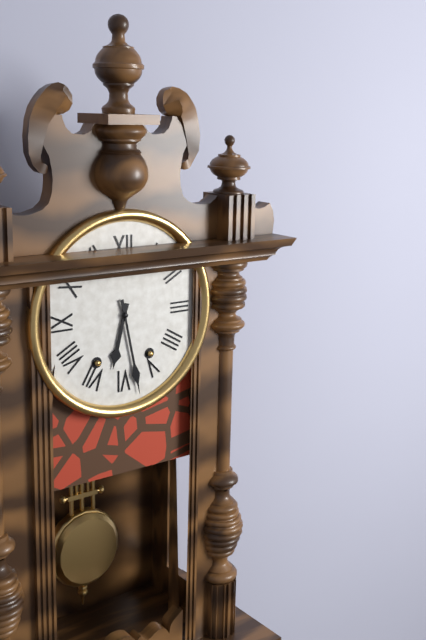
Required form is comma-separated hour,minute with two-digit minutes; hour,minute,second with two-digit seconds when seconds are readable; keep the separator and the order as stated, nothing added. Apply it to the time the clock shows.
6,28
